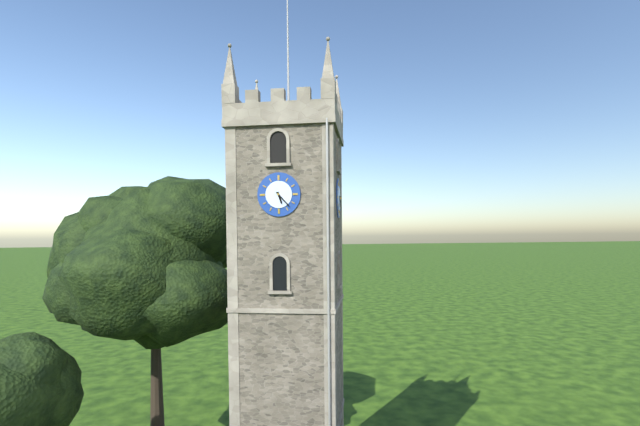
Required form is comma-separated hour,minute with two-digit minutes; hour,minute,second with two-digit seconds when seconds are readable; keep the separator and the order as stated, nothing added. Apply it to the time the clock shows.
5,23
